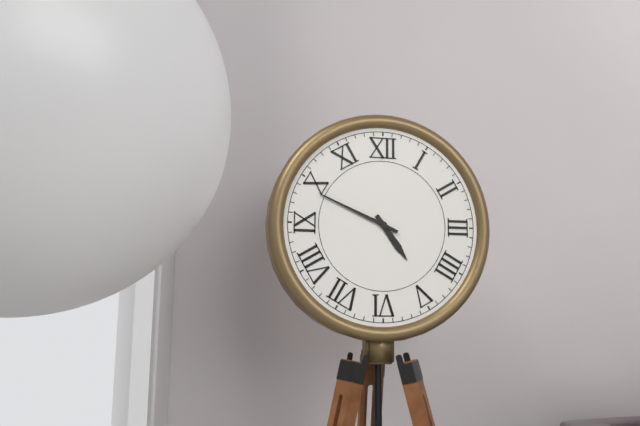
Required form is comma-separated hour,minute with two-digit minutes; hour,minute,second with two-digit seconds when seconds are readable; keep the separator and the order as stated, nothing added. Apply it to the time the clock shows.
4,49
